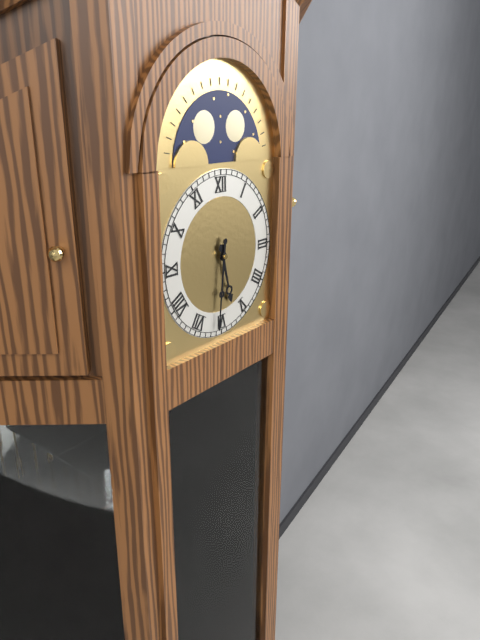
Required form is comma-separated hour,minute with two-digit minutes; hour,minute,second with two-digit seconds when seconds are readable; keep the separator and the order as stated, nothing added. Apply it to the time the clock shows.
5,31
